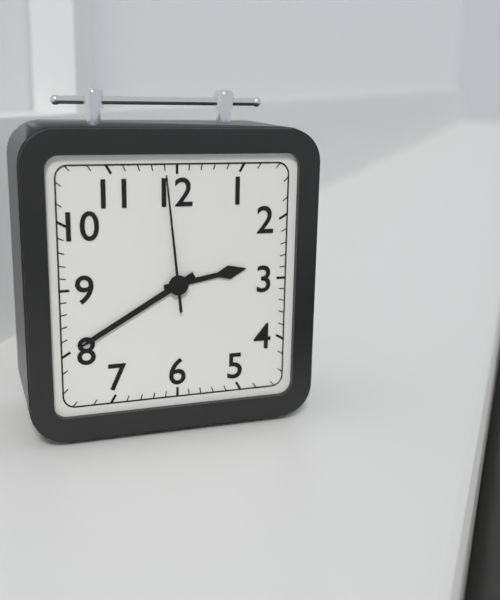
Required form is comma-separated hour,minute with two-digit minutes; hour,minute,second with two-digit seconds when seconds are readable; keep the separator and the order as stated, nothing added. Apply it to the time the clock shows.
2,40,59
